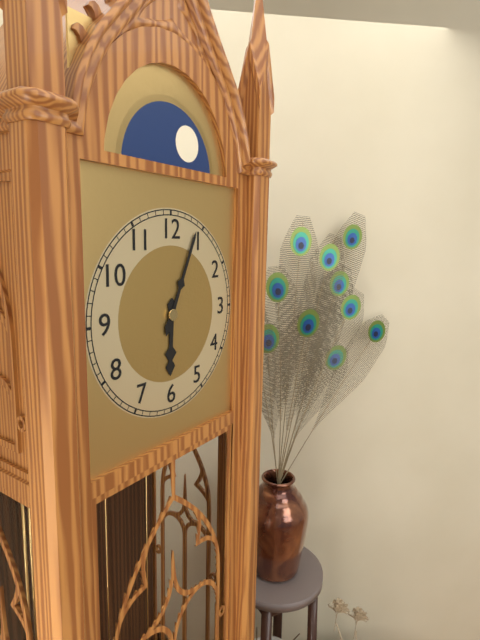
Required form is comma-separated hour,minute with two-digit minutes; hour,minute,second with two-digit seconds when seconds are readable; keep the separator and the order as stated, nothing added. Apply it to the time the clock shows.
6,04
